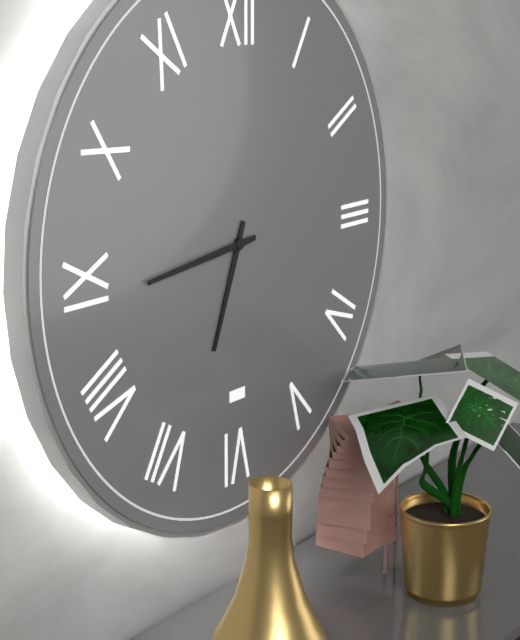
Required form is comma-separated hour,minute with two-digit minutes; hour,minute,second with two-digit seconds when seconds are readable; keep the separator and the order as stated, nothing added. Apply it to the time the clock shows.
6,44
